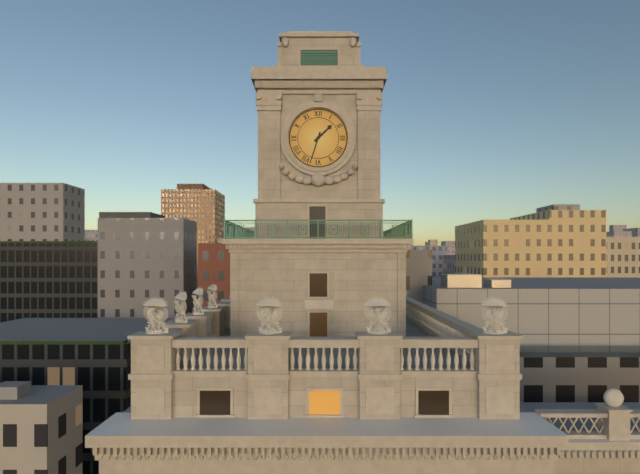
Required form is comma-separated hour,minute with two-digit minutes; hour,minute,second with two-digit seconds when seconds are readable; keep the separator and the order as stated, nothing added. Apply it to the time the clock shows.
1,33
